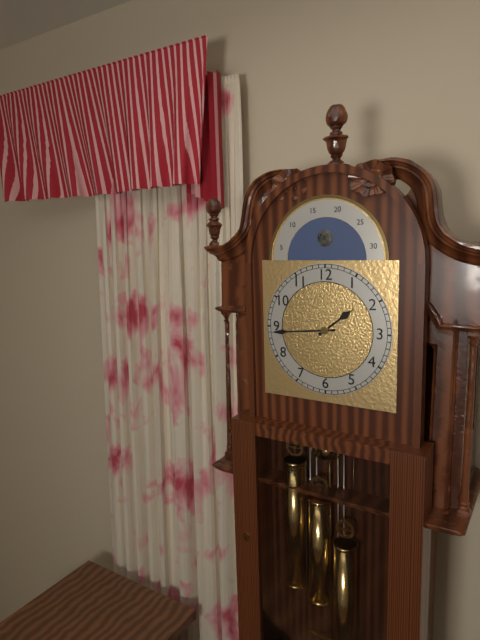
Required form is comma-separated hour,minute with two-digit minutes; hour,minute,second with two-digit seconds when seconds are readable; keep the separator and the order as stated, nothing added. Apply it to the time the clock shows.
1,44
